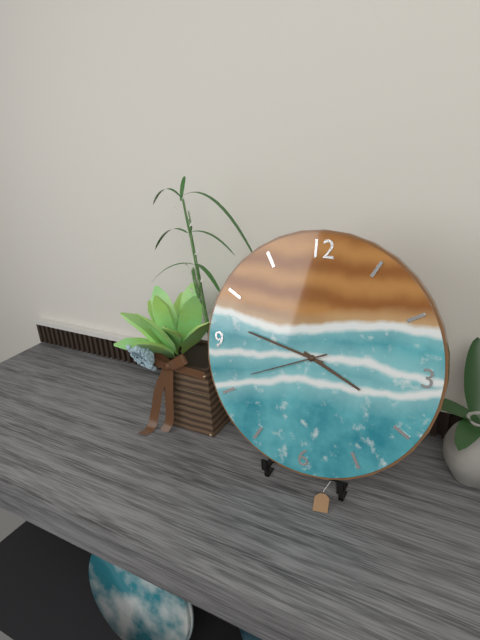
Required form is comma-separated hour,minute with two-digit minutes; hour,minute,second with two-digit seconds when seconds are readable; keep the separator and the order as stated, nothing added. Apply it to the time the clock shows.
3,47,41
